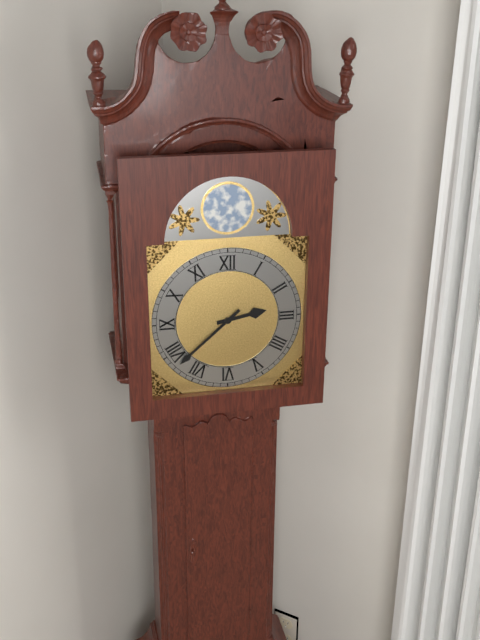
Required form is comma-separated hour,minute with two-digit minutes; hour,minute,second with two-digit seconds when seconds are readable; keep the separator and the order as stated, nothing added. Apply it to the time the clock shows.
2,38
